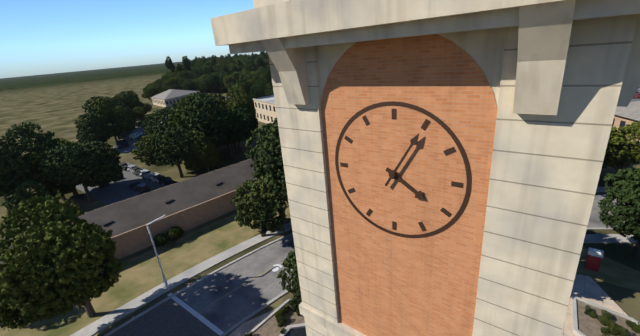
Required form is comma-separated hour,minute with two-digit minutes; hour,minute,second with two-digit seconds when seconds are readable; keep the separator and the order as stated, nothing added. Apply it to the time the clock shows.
4,05
